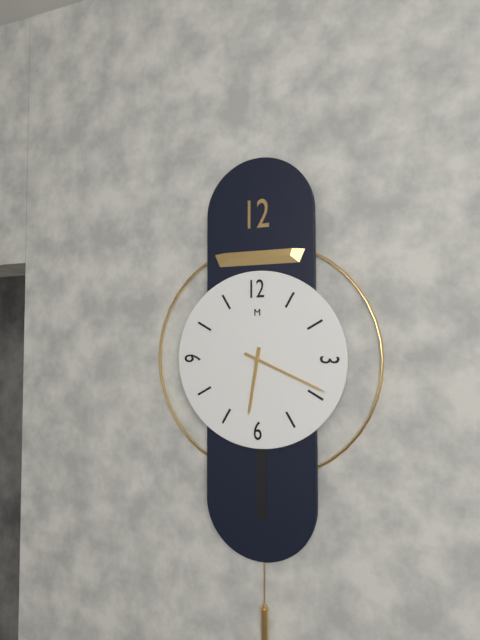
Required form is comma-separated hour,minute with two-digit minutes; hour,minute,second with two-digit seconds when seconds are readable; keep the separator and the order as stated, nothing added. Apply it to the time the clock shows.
6,19
